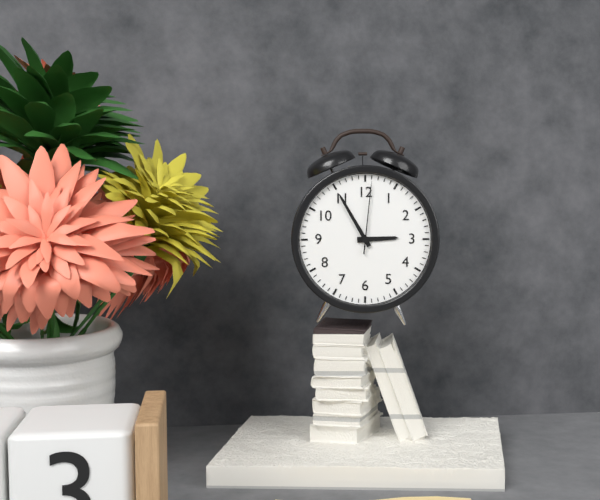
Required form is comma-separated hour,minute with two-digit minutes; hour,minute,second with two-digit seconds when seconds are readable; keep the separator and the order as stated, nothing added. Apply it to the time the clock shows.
2,55,01
